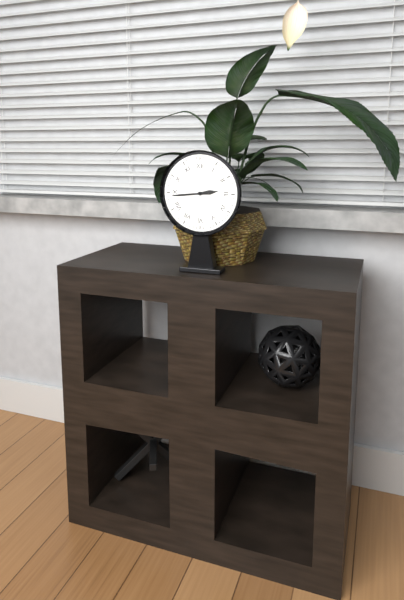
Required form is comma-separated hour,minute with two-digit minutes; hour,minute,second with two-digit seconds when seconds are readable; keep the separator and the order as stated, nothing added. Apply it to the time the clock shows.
2,44
